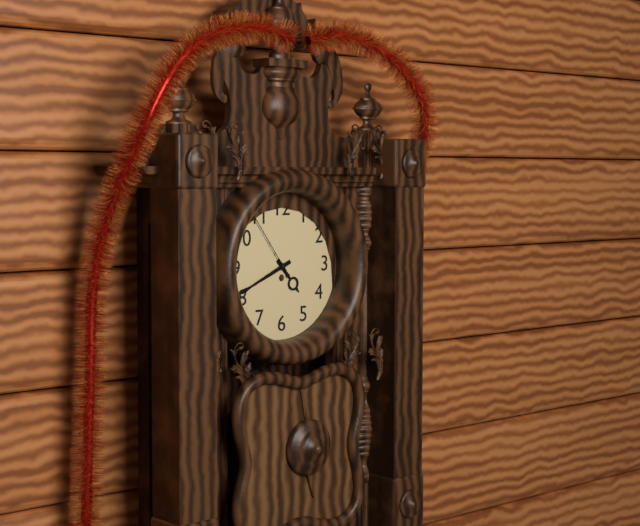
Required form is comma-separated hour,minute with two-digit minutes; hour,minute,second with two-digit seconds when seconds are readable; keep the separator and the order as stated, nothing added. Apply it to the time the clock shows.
4,41,54
